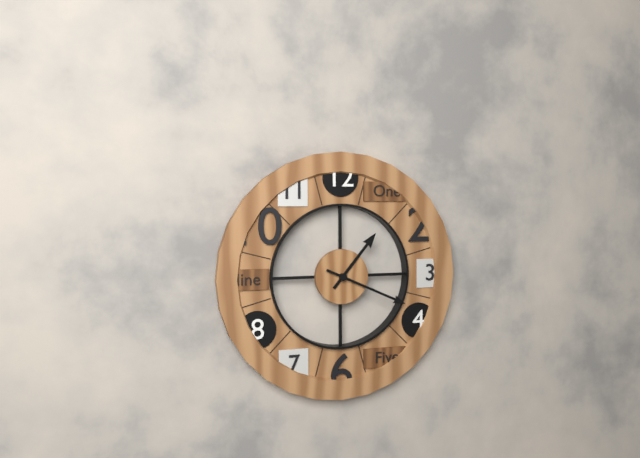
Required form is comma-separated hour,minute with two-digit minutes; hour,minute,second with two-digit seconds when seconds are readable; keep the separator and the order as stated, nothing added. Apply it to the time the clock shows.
1,19
